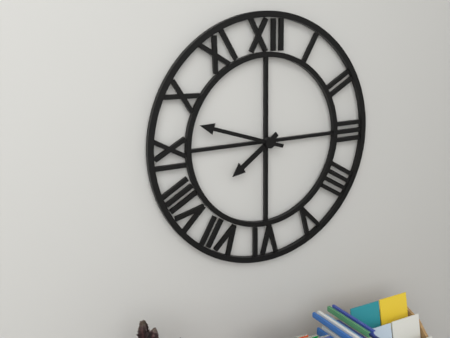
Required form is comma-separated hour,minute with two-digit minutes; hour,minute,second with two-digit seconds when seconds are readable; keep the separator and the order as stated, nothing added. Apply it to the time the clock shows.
7,48
